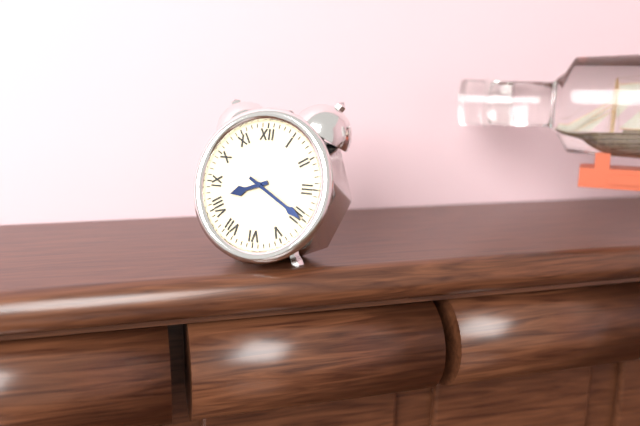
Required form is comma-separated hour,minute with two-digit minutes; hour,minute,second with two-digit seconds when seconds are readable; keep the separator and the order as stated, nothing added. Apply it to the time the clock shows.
8,20
